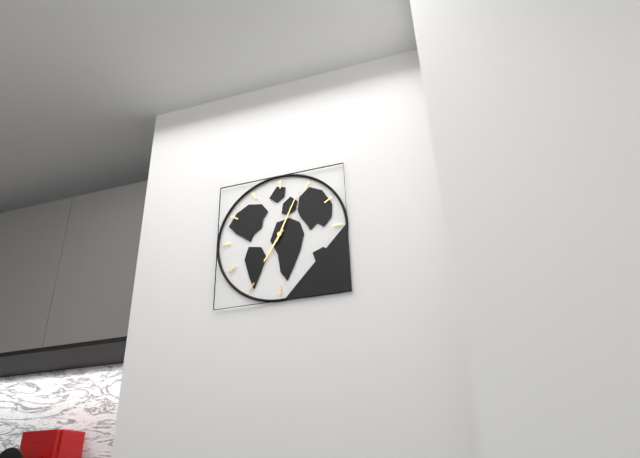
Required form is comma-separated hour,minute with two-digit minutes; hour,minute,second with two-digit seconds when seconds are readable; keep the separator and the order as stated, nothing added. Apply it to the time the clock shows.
7,04
